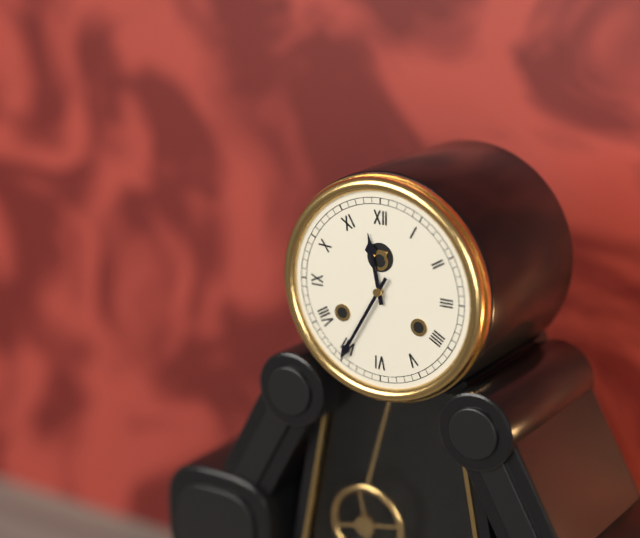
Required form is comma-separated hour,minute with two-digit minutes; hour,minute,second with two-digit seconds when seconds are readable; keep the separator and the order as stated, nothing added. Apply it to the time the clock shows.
11,35
